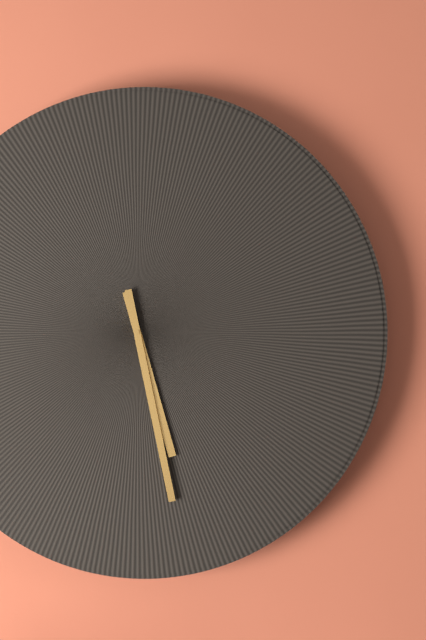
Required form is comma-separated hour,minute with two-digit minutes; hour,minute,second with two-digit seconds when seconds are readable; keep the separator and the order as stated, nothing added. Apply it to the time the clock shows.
5,28
